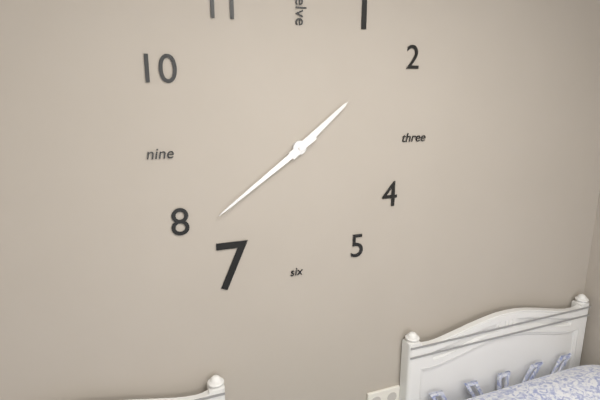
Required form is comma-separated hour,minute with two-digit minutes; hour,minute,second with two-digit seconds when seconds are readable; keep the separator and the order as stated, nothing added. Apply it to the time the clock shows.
1,39
